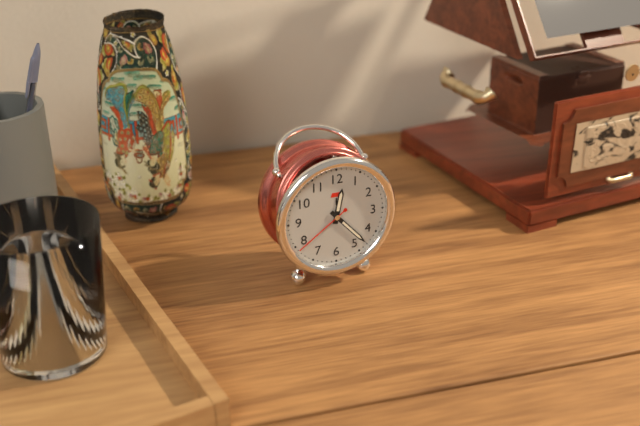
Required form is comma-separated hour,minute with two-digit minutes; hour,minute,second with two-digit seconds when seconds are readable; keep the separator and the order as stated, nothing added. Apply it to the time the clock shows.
12,23,39
